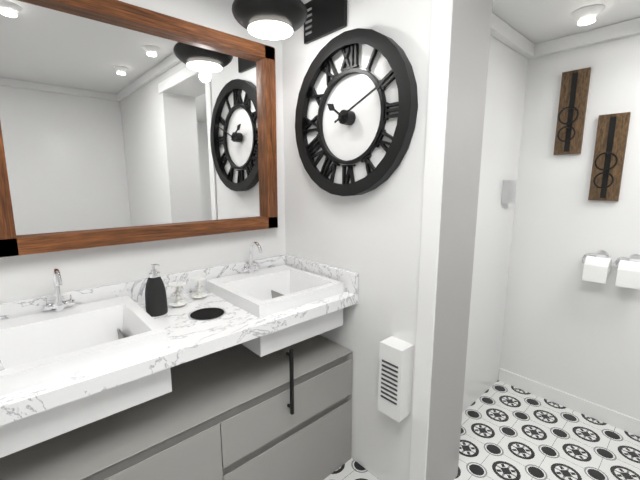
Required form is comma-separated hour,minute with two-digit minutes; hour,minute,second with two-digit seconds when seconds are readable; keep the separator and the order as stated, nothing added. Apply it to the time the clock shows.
10,11
